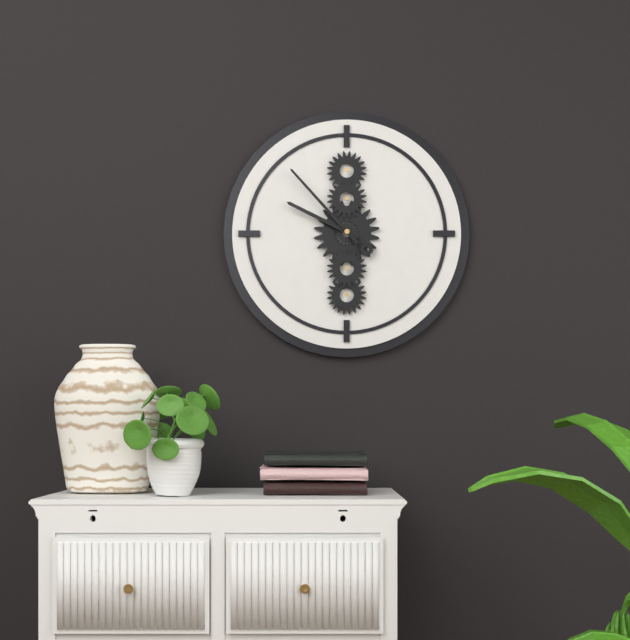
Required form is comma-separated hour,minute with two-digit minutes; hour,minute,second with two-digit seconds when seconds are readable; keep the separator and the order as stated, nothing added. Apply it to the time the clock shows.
9,53
